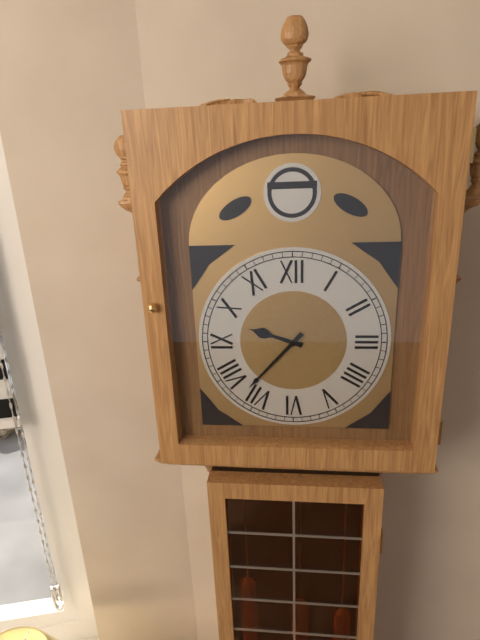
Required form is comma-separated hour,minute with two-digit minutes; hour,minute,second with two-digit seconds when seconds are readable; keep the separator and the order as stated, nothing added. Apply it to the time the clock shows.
9,37
